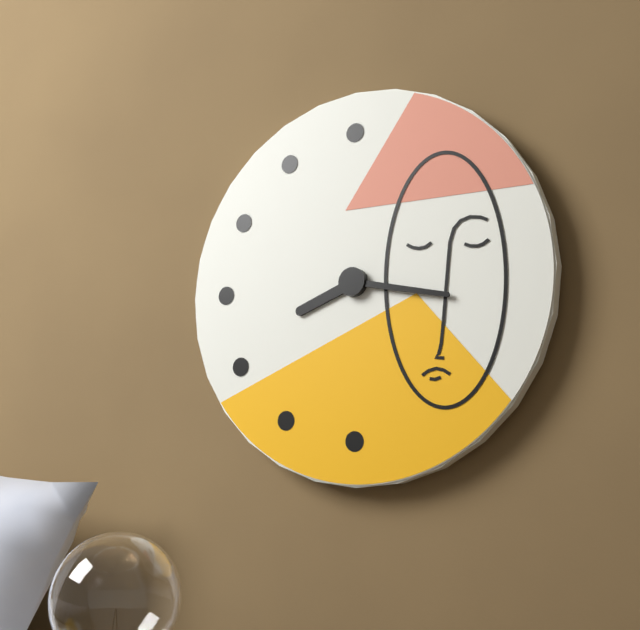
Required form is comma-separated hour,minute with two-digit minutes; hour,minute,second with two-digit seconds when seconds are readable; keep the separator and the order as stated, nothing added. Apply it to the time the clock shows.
8,17
